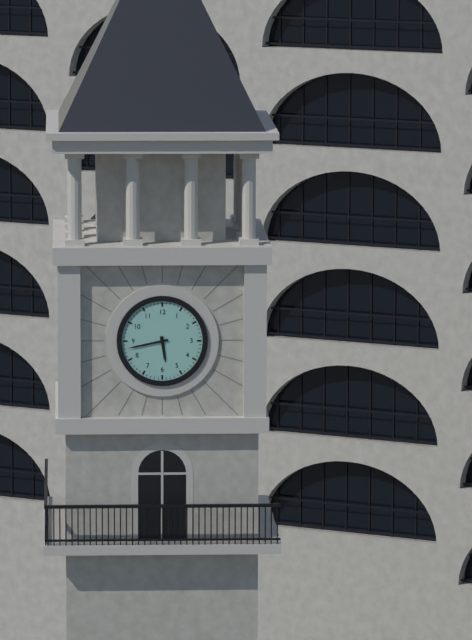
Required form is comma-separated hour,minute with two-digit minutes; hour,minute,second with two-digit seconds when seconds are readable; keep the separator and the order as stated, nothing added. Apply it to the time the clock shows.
5,43
